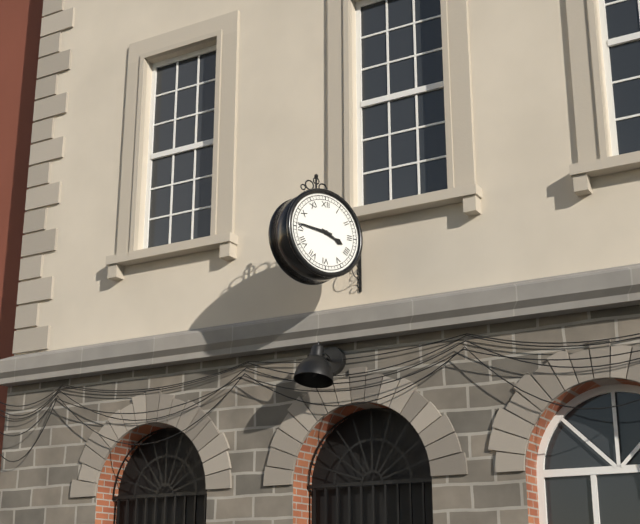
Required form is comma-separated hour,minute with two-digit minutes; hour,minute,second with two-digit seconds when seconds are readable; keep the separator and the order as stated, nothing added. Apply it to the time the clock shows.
3,46
